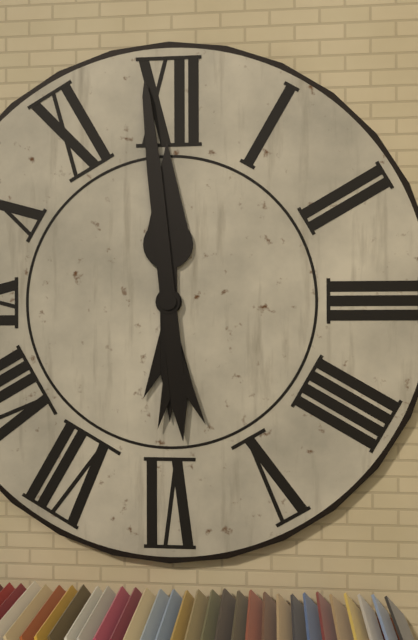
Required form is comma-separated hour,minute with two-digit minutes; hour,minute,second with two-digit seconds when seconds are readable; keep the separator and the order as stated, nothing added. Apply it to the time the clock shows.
11,59
